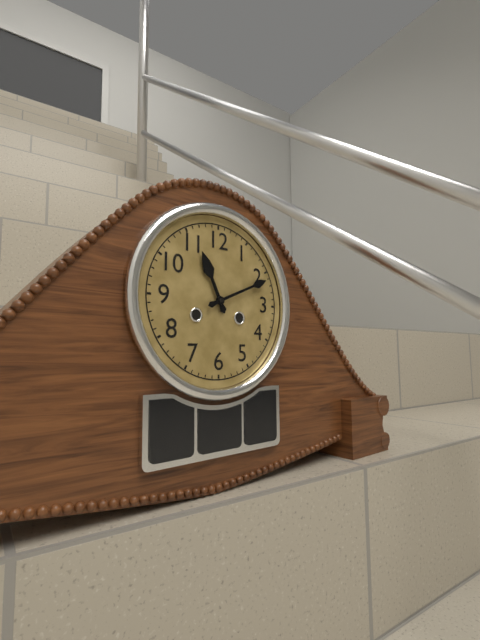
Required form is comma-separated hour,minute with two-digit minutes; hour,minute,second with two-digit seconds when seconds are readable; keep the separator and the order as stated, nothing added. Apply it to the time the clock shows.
11,11
